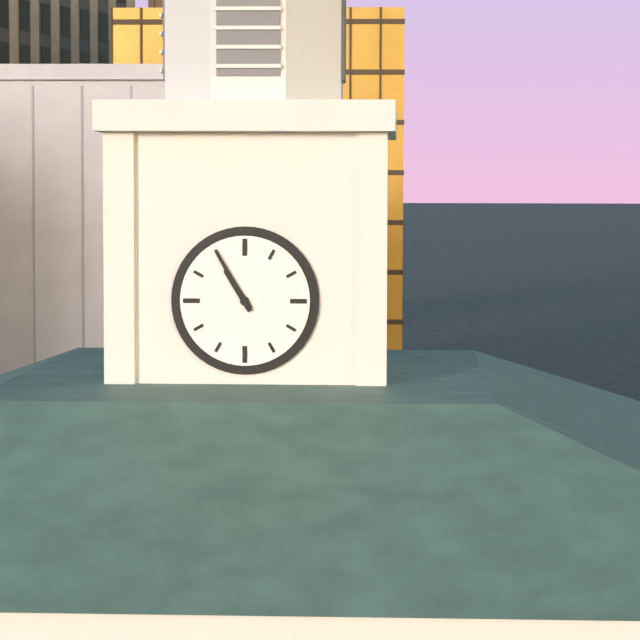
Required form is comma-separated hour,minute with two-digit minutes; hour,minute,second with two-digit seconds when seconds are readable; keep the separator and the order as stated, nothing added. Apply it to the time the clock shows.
10,55
